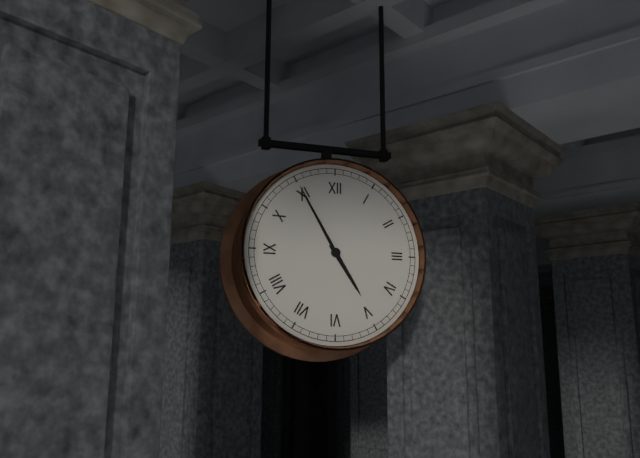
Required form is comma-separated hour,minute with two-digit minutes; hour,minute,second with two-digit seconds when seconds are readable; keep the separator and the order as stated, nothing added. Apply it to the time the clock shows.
4,55
